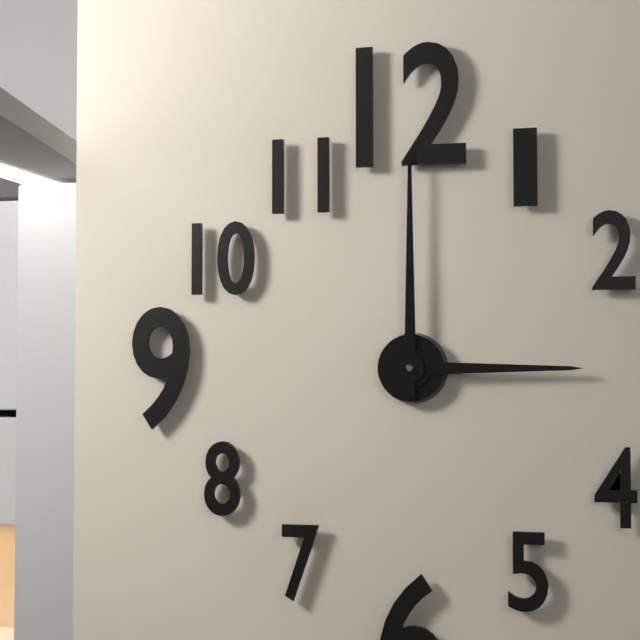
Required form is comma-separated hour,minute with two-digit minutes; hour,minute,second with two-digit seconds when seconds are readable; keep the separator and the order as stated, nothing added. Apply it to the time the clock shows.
3,00
